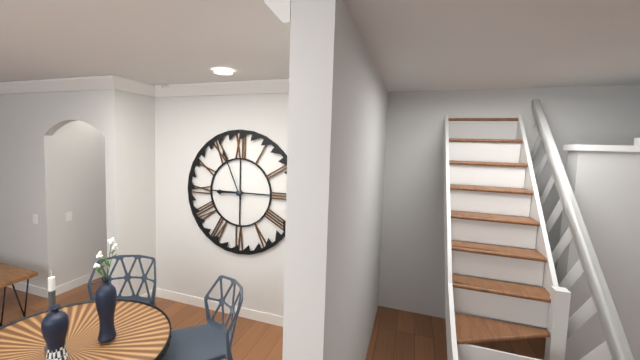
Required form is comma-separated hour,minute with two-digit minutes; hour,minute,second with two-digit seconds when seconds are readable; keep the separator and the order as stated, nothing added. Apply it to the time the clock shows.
8,56
